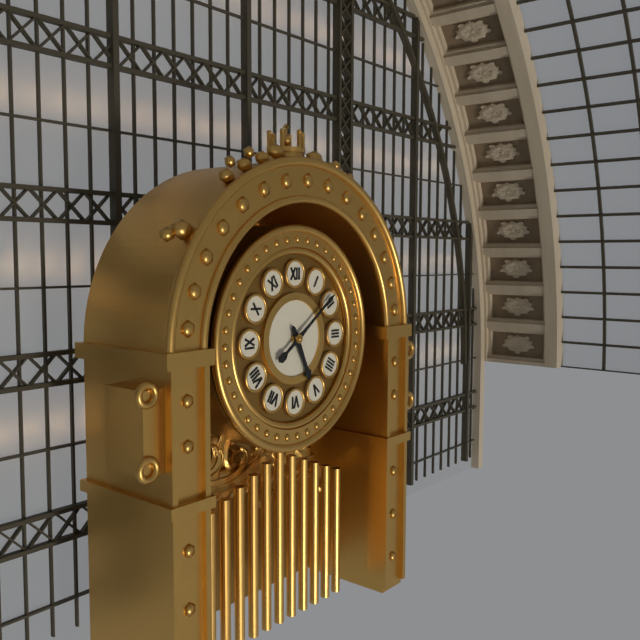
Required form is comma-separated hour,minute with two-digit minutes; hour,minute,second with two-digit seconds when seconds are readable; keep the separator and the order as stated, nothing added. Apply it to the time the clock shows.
5,09
